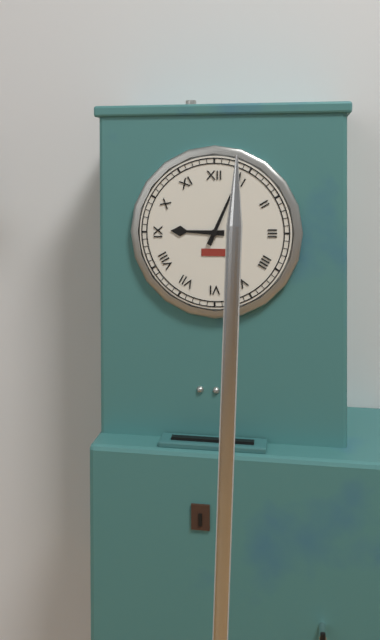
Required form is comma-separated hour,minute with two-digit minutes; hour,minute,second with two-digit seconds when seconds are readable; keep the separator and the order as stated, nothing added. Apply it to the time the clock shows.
9,04
